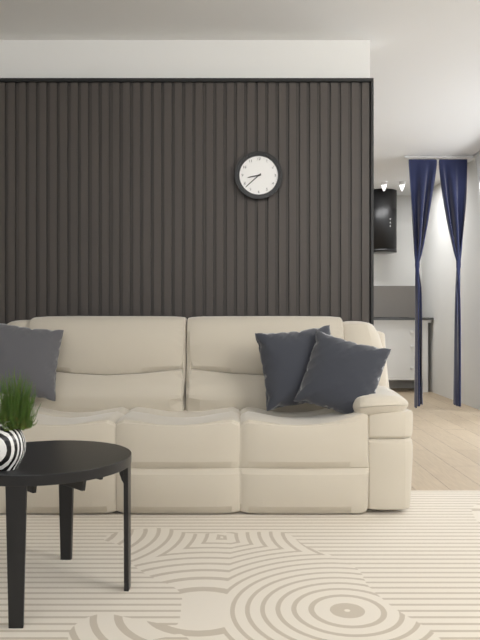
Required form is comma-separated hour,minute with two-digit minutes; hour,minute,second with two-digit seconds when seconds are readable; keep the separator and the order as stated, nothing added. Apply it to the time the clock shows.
8,38
